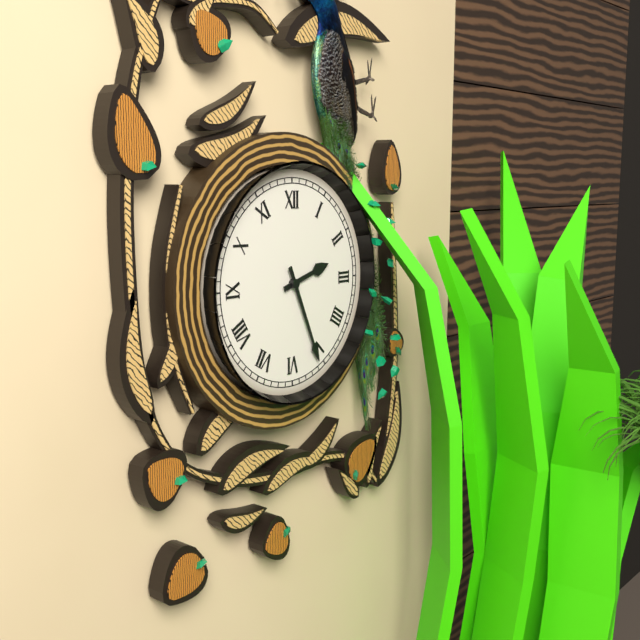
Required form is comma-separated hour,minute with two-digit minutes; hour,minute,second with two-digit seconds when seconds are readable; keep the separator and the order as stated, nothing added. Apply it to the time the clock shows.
2,26
